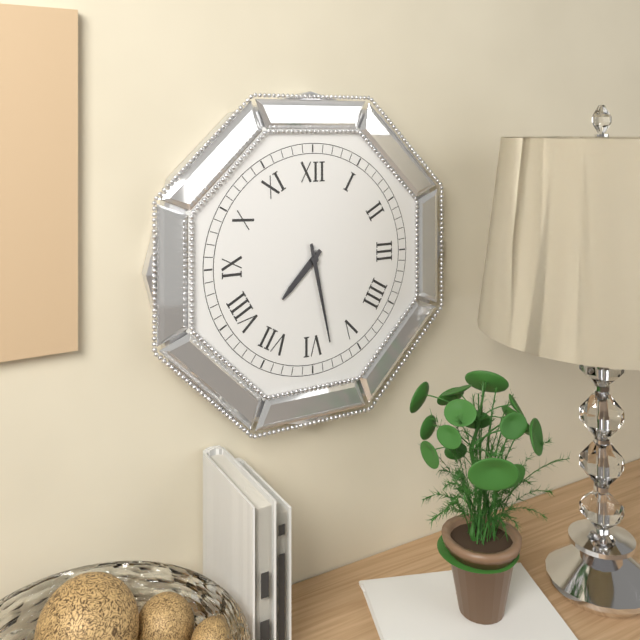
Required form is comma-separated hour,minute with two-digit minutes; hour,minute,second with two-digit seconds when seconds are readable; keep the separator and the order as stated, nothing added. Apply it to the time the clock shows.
7,28
